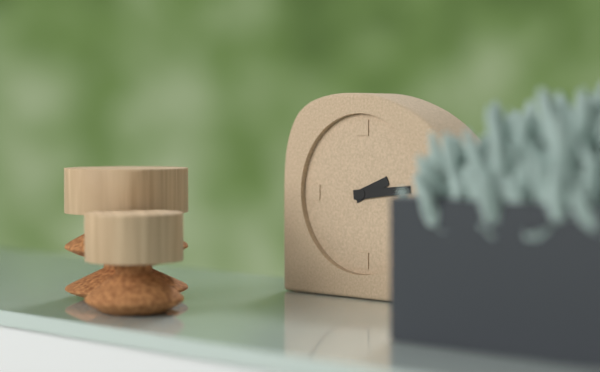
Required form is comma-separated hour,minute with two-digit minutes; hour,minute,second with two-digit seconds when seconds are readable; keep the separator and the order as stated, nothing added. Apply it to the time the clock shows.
2,14
